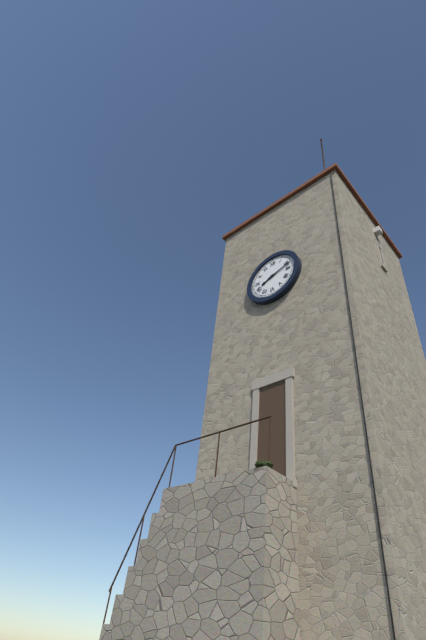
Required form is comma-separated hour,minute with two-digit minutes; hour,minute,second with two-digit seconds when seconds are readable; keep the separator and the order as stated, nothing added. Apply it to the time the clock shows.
8,12
